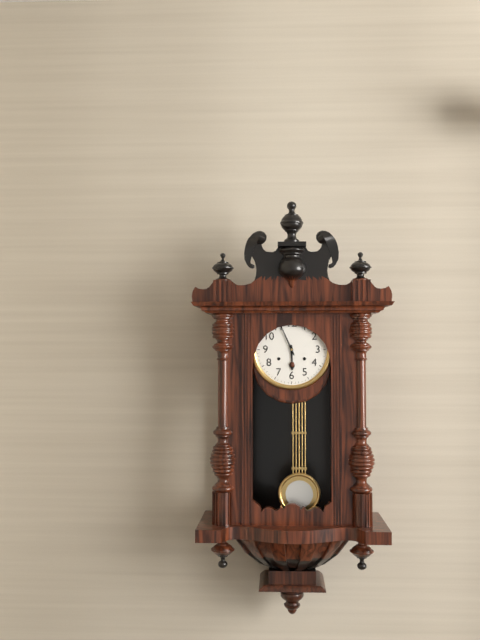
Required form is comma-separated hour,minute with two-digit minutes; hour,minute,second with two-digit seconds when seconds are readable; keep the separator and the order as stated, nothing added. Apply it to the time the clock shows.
5,56
